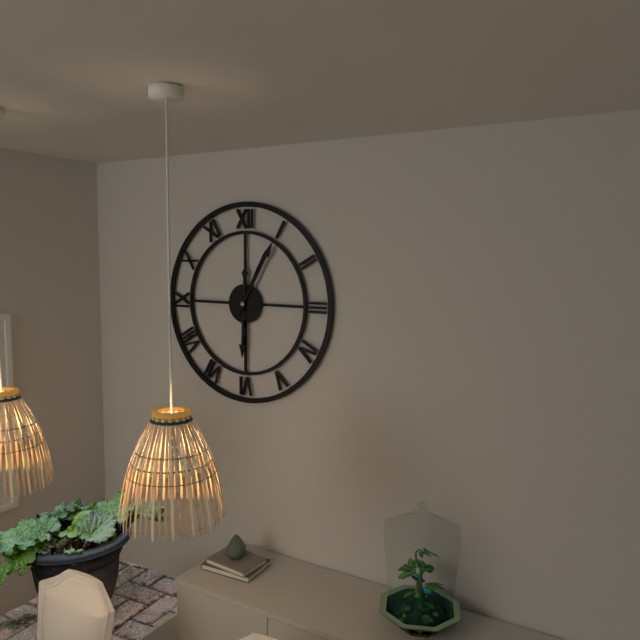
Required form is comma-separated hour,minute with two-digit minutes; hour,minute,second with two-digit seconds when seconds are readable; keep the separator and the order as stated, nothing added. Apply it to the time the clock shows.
6,05
